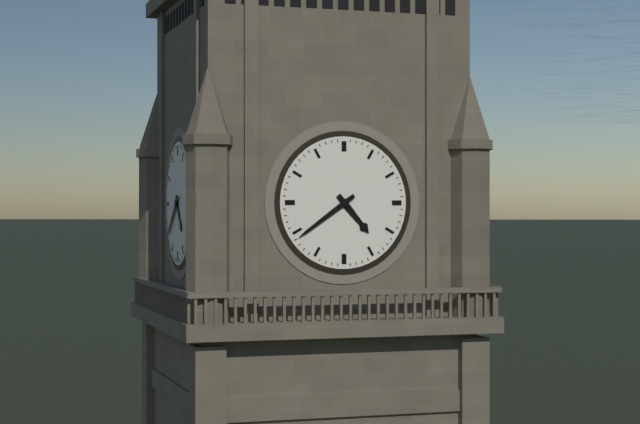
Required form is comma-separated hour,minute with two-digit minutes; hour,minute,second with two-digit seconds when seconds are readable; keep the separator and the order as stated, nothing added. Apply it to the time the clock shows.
4,39
